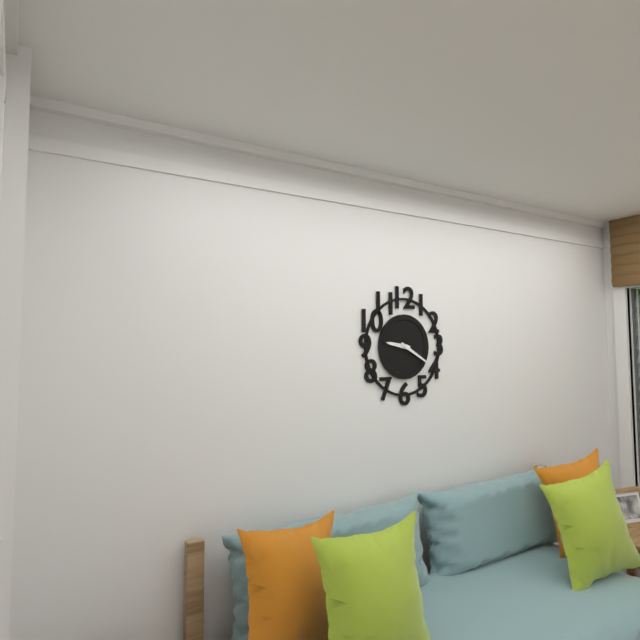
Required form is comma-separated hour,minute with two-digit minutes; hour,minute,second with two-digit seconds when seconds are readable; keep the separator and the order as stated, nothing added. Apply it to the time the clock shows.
9,20
